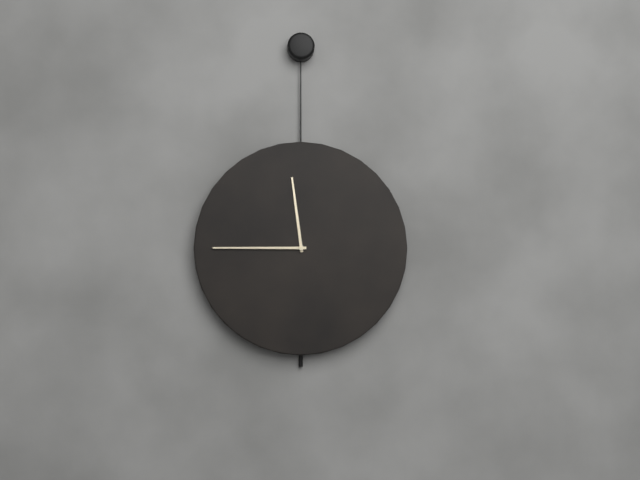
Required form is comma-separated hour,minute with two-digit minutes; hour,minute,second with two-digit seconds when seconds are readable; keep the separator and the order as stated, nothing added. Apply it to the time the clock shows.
11,45
